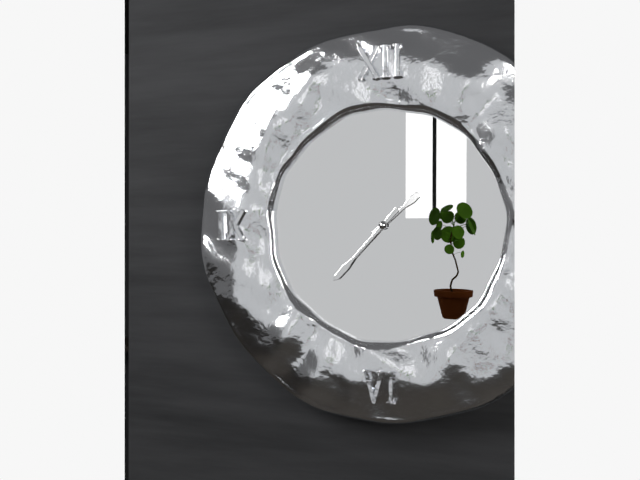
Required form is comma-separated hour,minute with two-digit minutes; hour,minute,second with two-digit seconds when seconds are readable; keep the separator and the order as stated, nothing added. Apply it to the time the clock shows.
1,37
